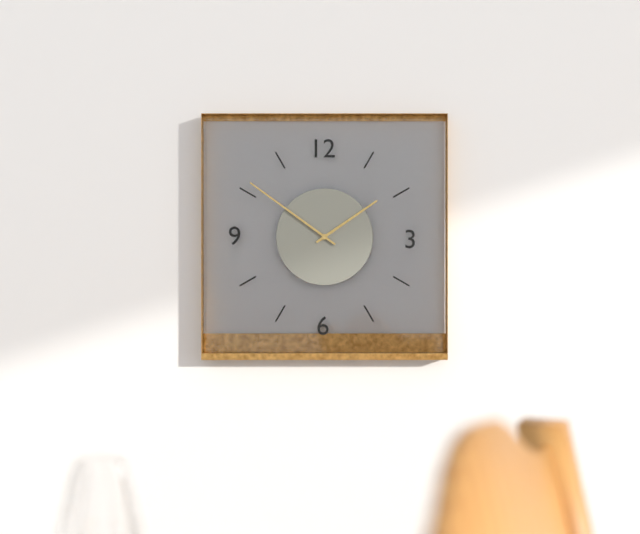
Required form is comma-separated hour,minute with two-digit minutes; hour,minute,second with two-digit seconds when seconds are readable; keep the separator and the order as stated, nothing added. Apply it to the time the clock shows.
1,51
